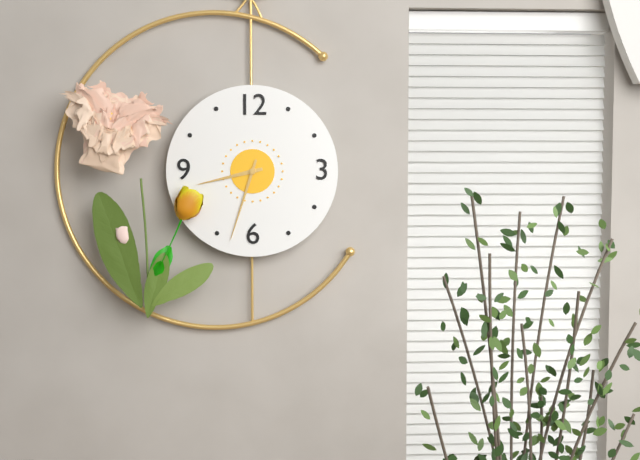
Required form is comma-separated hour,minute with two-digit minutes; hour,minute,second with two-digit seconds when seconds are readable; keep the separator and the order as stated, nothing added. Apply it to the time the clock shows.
8,33
